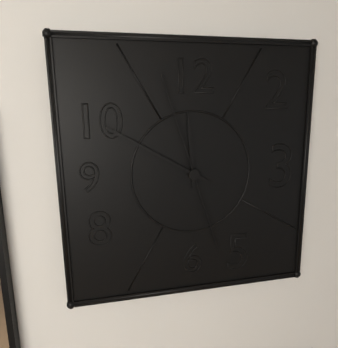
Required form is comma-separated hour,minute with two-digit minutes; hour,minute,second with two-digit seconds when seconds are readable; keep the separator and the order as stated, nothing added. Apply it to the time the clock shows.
11,50,57
